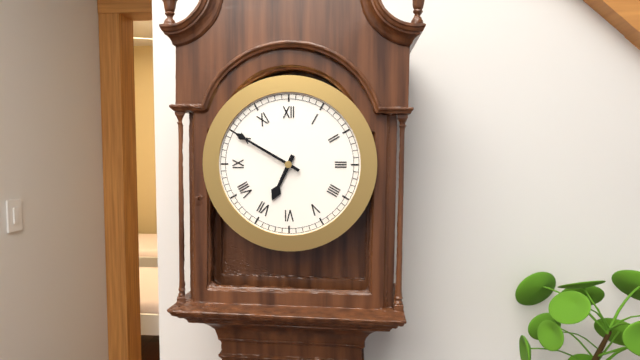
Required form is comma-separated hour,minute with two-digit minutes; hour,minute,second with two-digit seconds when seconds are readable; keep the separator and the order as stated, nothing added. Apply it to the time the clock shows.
6,50
